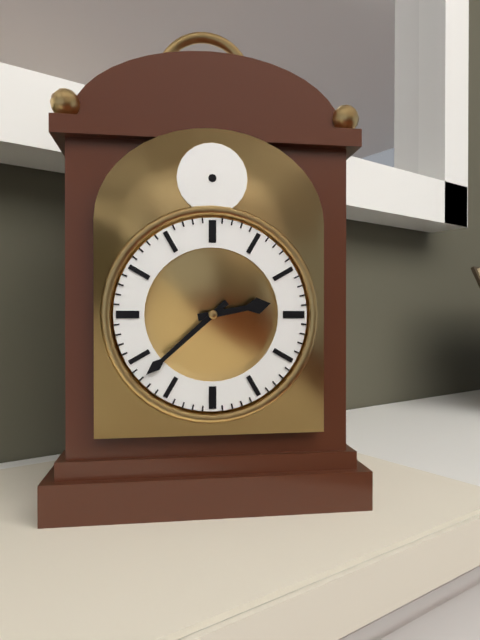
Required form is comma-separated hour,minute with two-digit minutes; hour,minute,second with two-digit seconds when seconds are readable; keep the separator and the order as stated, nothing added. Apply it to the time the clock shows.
2,38
